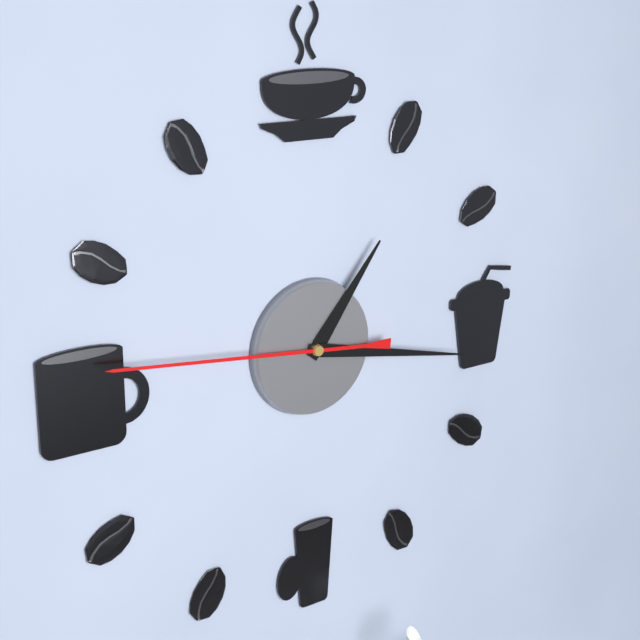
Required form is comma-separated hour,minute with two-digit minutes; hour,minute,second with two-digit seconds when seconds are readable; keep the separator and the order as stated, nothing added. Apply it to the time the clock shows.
1,17,46
